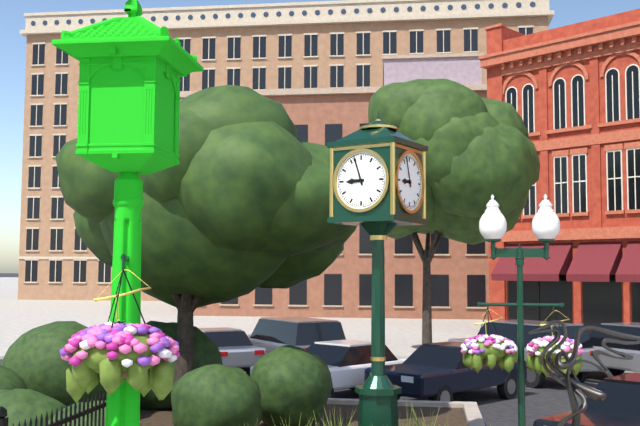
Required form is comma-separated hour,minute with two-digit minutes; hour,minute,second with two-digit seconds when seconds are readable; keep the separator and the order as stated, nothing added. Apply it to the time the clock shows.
8,57
